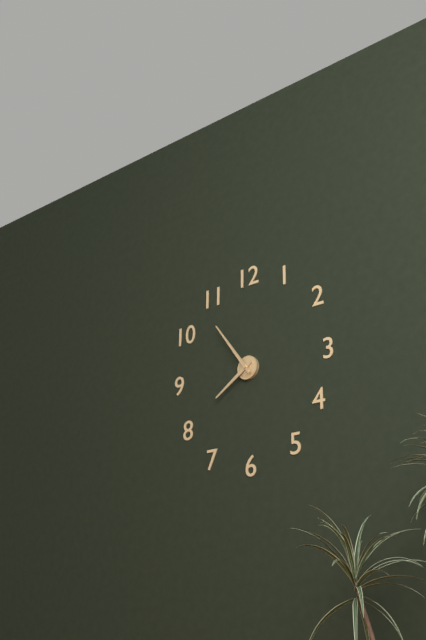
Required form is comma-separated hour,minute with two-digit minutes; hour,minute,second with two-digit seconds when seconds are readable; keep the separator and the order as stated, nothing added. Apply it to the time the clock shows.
7,54
